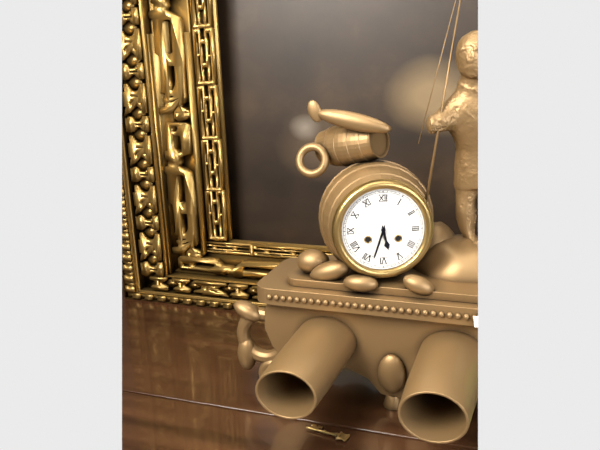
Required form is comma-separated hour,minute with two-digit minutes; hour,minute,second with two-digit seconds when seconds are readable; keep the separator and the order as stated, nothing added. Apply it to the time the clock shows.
5,33
